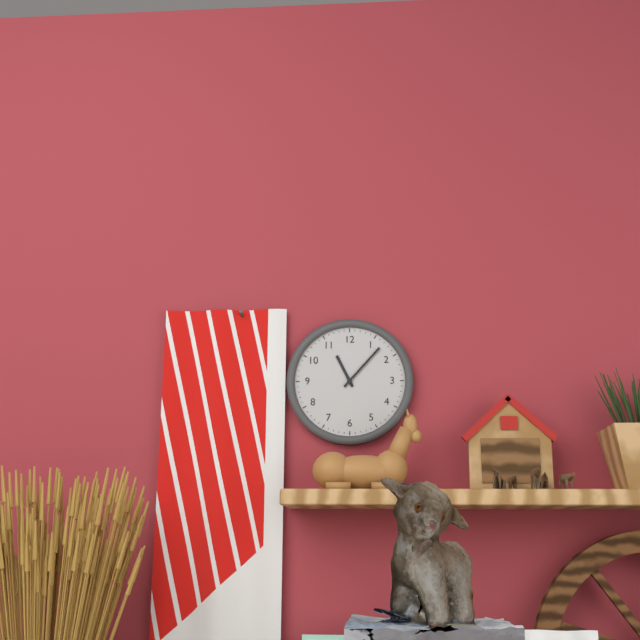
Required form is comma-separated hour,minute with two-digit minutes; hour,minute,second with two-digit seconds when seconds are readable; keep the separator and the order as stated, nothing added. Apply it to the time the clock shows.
11,07
